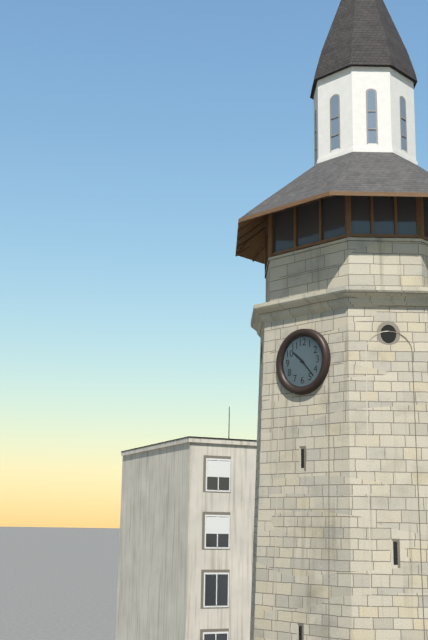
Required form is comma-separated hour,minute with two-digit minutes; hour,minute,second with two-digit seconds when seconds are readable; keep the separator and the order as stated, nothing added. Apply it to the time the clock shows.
10,23
